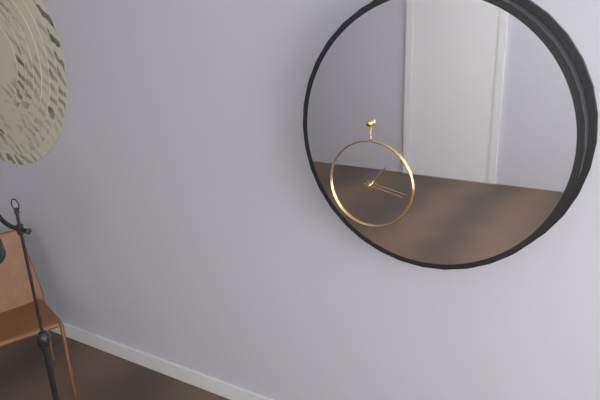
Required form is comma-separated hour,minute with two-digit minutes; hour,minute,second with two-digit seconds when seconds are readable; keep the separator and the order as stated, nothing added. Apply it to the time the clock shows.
1,17
